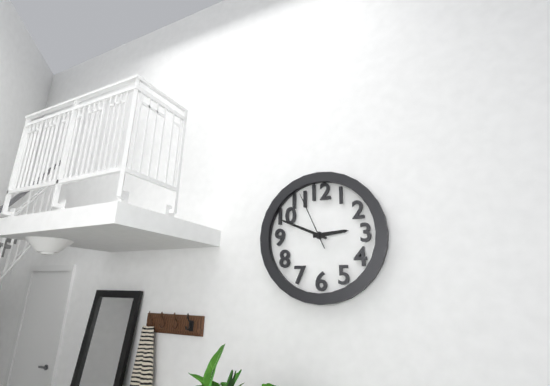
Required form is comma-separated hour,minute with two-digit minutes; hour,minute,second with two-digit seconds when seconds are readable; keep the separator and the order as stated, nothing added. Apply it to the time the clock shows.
2,49,56
